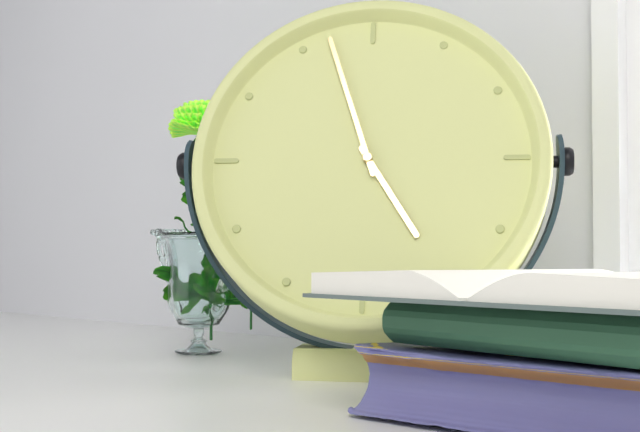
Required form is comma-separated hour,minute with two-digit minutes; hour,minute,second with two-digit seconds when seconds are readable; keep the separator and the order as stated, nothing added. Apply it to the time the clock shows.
4,57
